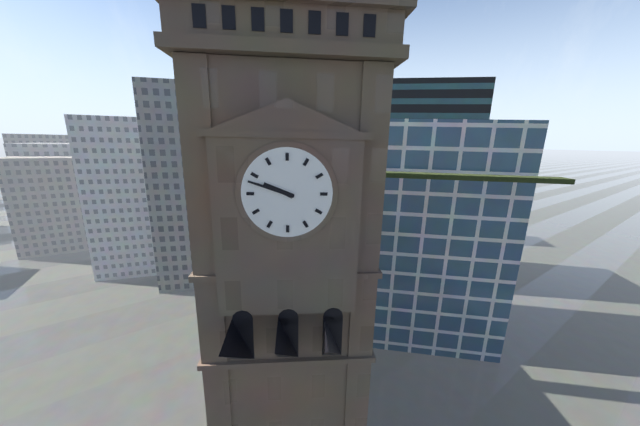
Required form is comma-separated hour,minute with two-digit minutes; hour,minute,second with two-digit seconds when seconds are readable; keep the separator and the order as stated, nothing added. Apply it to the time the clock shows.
9,48
